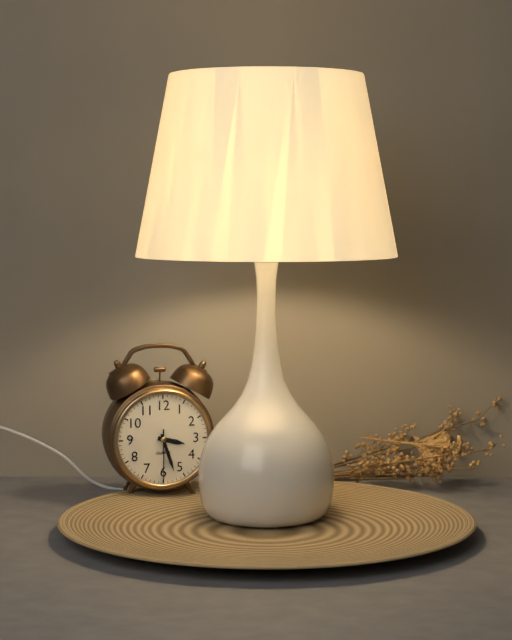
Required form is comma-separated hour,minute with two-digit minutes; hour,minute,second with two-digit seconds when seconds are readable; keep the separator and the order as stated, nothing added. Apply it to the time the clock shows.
3,27
